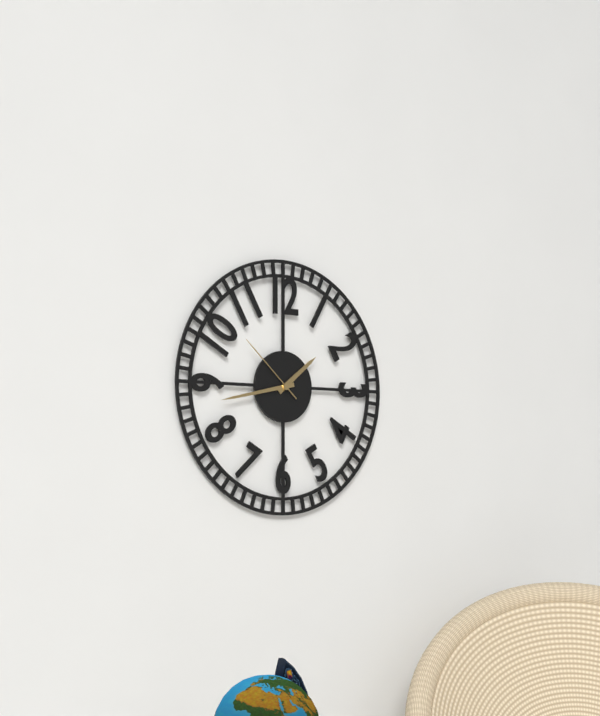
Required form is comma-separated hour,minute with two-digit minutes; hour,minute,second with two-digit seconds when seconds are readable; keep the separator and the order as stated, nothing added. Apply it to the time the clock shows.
1,43,52
